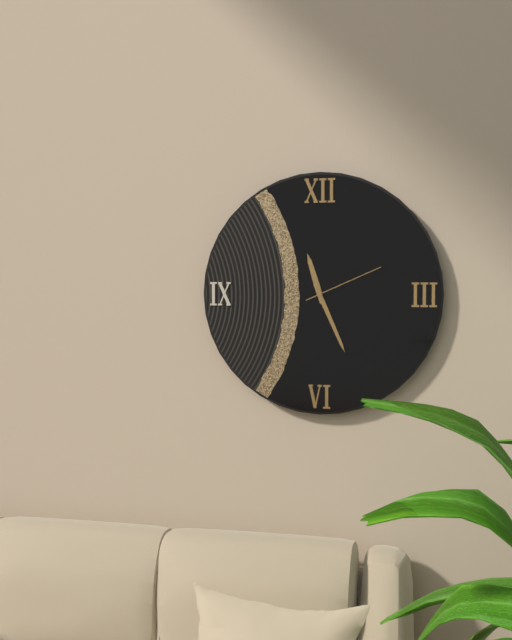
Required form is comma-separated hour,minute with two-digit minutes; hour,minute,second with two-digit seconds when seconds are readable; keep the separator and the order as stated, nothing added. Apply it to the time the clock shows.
11,26,11
